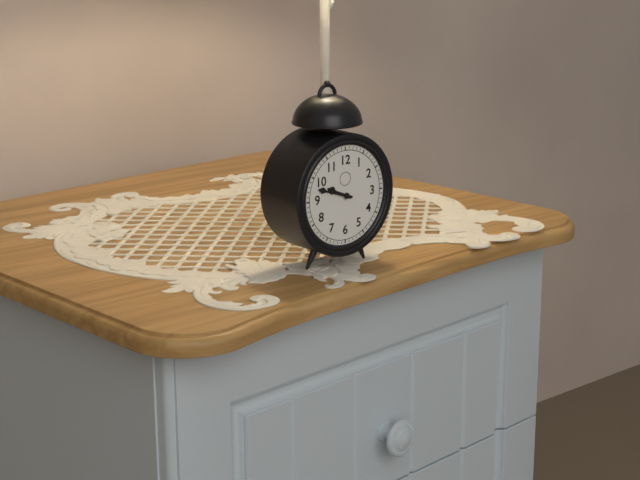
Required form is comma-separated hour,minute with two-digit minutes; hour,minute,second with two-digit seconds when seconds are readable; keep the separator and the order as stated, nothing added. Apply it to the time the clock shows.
9,48
